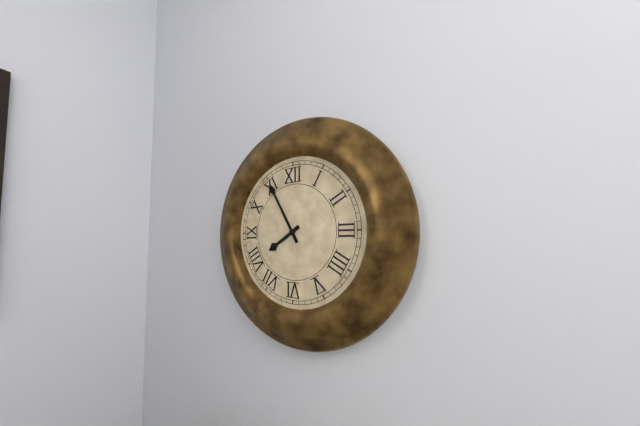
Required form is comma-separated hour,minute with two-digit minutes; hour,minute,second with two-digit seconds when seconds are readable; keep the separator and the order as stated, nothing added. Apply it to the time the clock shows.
7,55
